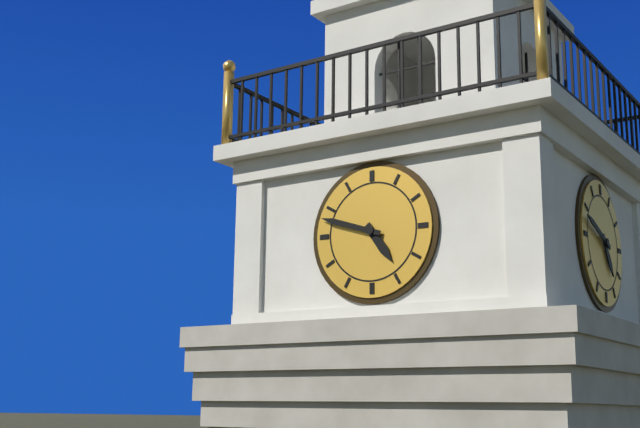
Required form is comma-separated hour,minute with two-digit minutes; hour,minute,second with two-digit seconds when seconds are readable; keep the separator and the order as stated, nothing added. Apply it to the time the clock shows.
4,48
